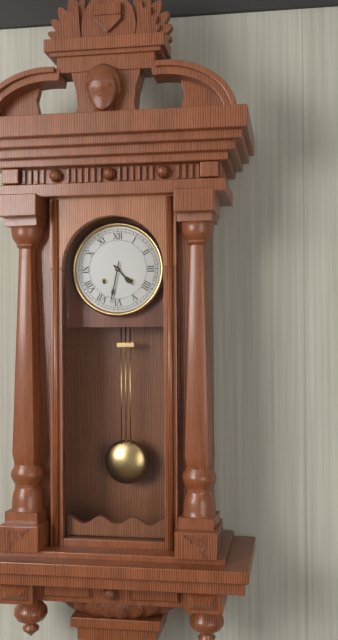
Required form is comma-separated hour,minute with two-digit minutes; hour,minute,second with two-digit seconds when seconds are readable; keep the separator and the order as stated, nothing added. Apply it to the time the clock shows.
4,32
